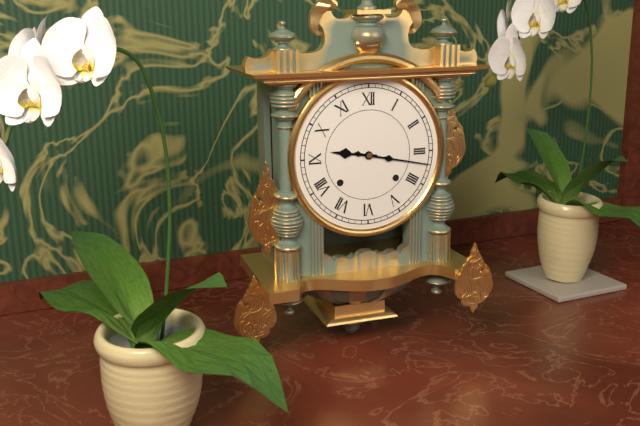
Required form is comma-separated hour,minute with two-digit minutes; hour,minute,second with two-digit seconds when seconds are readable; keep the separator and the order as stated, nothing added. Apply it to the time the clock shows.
9,17
